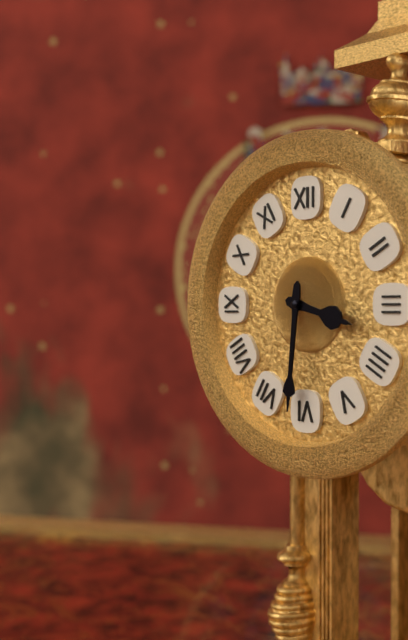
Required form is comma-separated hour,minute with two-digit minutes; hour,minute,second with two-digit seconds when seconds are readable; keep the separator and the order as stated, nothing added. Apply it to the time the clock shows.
3,31
